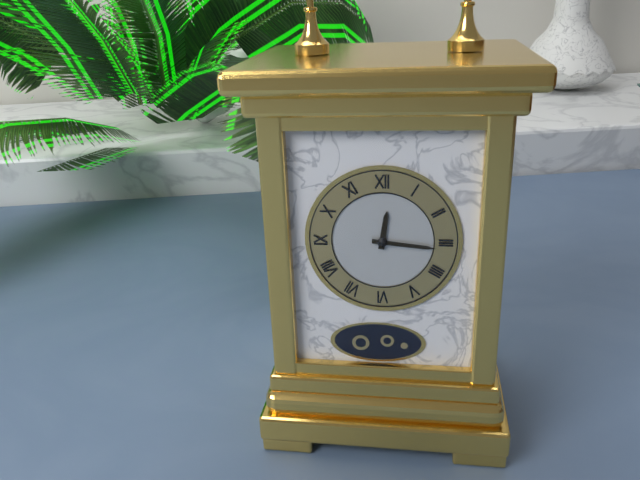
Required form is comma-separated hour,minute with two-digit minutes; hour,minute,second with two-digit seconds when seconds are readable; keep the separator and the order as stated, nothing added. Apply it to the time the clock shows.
12,16
